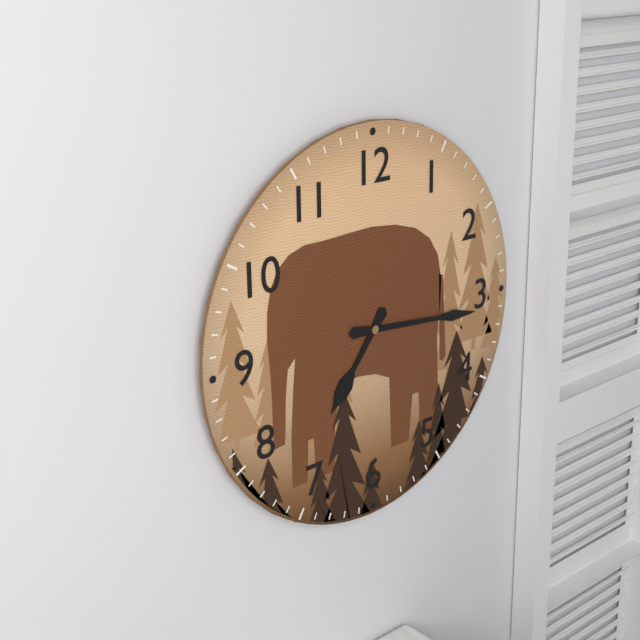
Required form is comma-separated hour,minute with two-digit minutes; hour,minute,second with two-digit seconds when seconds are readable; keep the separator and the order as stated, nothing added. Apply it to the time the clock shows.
7,16
